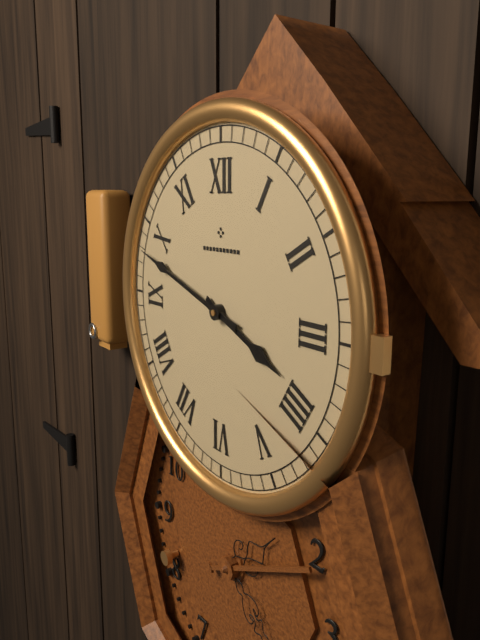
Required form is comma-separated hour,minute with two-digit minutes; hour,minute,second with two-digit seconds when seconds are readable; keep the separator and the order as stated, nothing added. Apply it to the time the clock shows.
3,48
